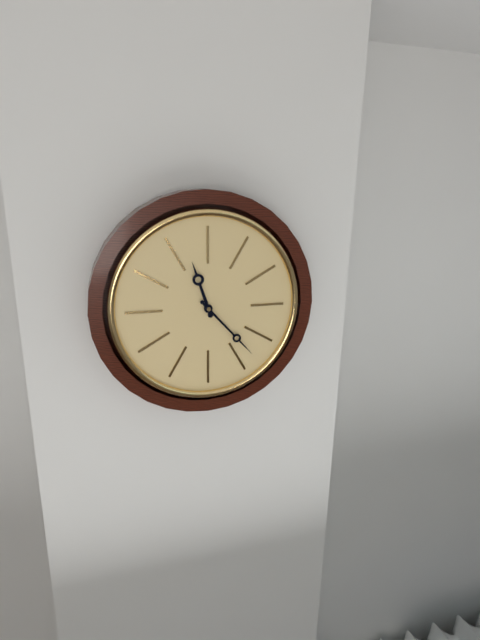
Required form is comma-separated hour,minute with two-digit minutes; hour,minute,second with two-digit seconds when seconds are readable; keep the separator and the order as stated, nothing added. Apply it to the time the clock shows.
11,23
